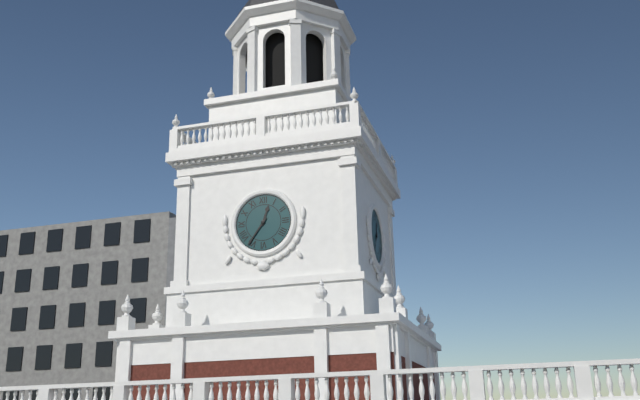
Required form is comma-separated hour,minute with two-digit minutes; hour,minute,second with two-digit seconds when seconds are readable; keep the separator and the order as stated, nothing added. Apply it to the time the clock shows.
12,36
